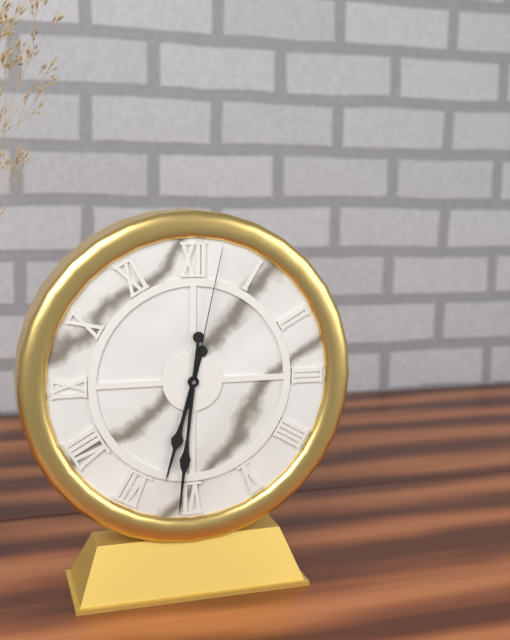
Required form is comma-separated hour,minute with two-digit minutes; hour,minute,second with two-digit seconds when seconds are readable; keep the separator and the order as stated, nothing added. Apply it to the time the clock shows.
6,31,02
